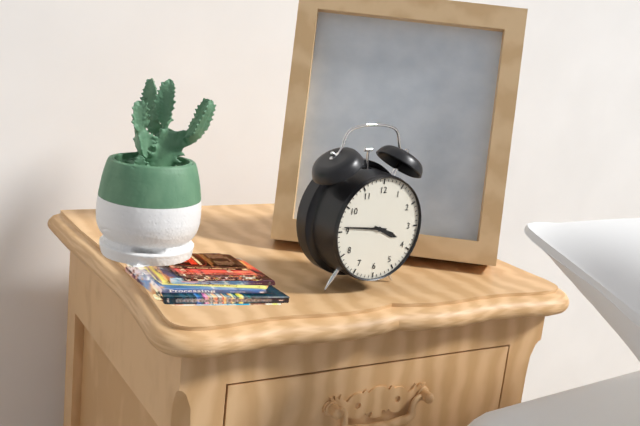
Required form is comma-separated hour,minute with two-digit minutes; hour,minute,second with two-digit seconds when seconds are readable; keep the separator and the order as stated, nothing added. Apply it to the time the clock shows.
3,46
